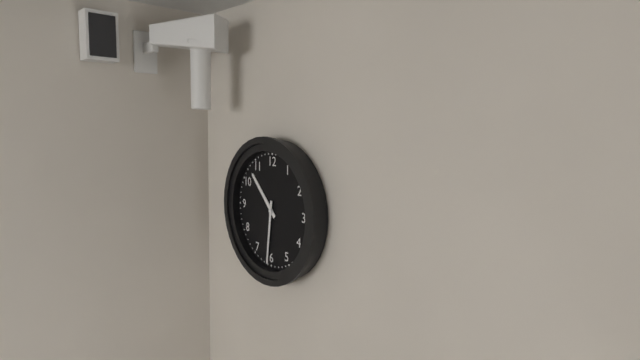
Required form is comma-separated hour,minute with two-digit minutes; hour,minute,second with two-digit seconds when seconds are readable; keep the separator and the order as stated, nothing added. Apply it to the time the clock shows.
10,31
